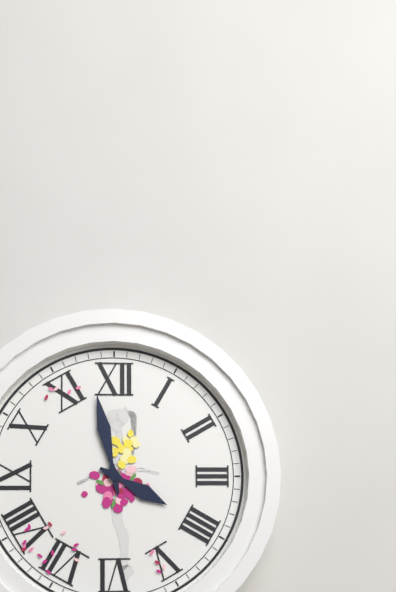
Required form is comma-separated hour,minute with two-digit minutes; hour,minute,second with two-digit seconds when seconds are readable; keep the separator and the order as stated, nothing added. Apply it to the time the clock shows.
3,58
